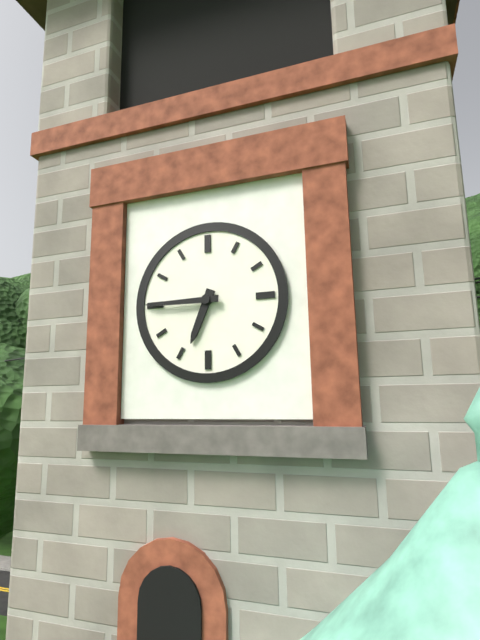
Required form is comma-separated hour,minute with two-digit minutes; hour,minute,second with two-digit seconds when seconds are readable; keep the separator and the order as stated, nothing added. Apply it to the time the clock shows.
6,45
